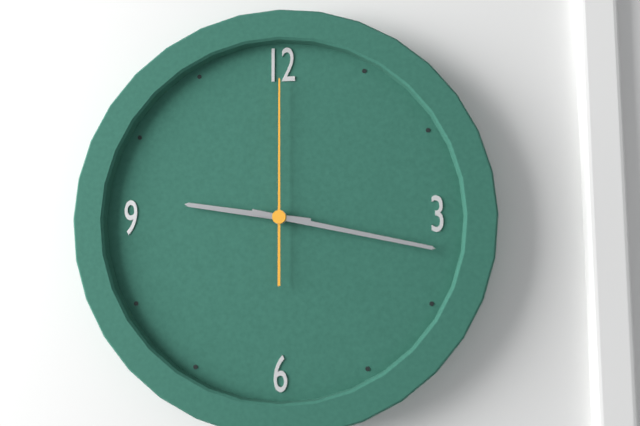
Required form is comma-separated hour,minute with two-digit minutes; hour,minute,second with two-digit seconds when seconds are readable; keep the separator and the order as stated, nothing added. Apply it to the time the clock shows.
9,17,00
